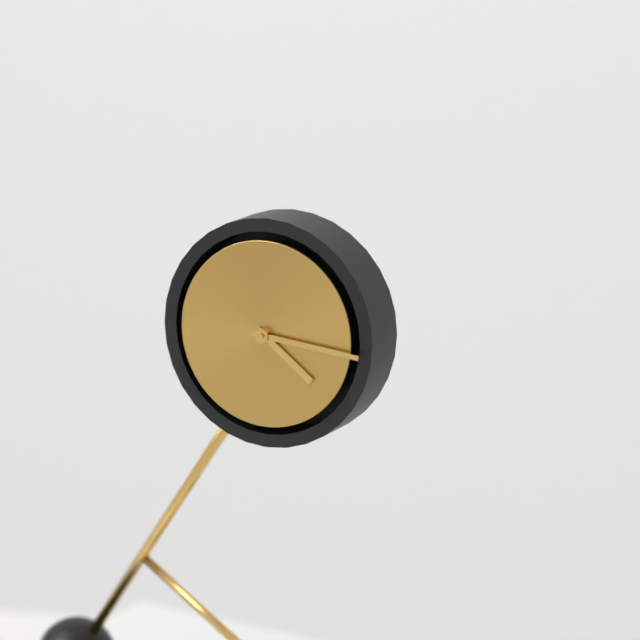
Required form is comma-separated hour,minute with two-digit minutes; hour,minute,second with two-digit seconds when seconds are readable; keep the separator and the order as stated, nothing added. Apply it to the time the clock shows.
4,16
